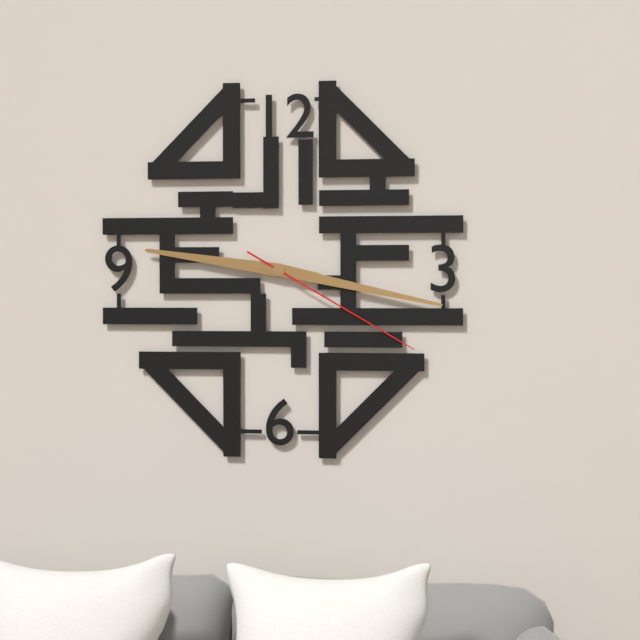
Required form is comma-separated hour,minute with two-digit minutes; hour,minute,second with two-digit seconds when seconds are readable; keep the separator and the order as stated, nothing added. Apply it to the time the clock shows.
9,17,20
